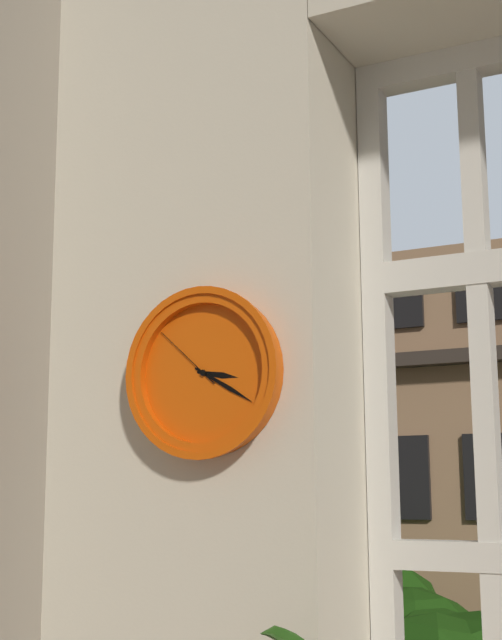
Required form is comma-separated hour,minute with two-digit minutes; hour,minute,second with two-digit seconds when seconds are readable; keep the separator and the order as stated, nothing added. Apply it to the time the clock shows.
3,20,52
